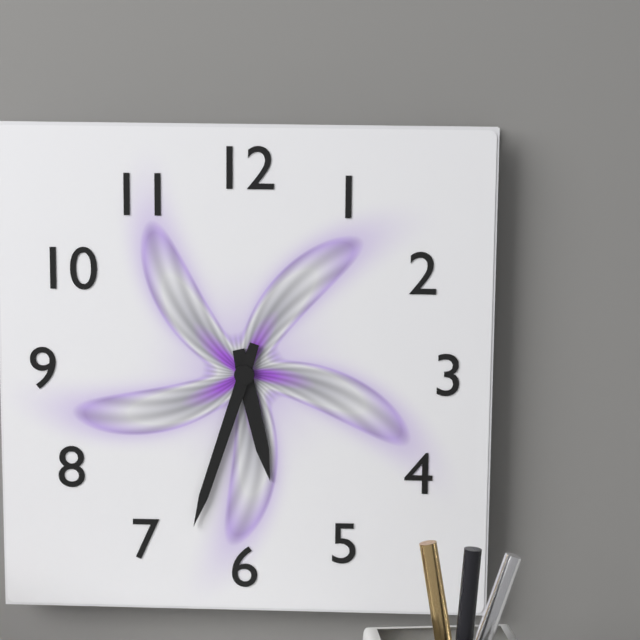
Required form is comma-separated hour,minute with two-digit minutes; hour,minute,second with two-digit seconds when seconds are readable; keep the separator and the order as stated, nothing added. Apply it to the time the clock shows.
5,33
